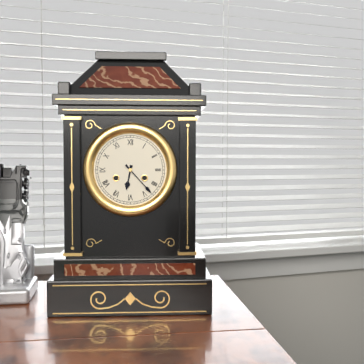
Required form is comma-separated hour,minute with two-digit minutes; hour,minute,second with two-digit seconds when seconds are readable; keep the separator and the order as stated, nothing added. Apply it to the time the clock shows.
6,23
